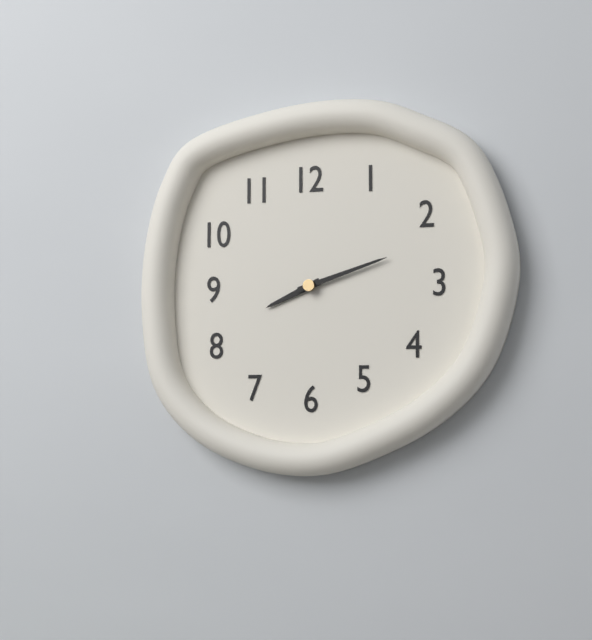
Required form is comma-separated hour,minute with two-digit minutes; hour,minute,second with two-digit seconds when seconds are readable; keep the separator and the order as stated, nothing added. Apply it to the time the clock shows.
8,12
